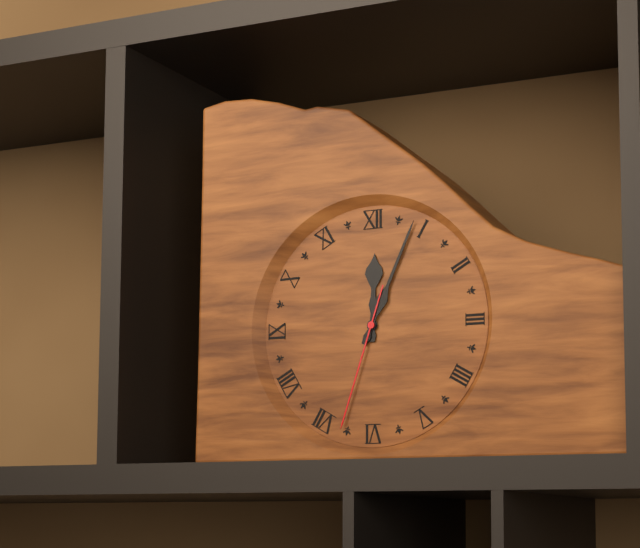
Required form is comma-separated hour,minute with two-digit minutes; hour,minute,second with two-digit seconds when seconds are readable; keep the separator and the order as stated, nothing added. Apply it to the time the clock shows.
12,04,33
